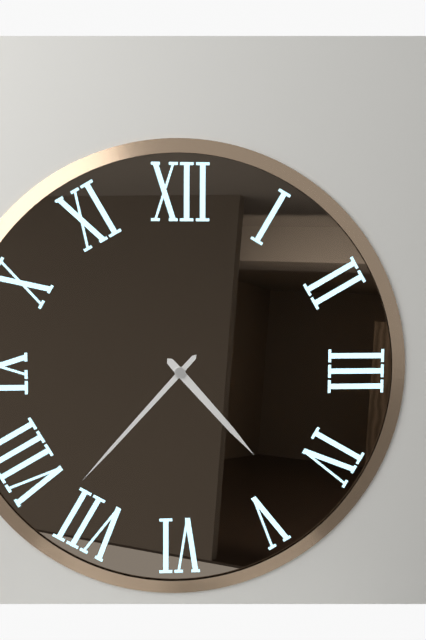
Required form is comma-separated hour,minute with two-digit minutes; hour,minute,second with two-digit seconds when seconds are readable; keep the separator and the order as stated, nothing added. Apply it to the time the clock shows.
4,37
